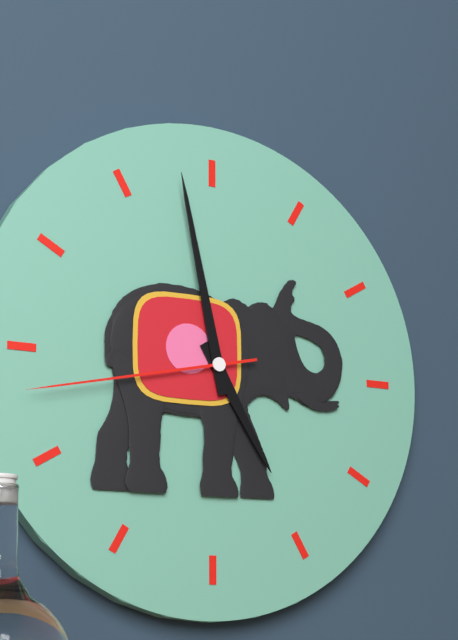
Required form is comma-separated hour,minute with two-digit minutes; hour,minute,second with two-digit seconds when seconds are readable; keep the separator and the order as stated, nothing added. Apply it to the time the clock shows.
4,58,43
